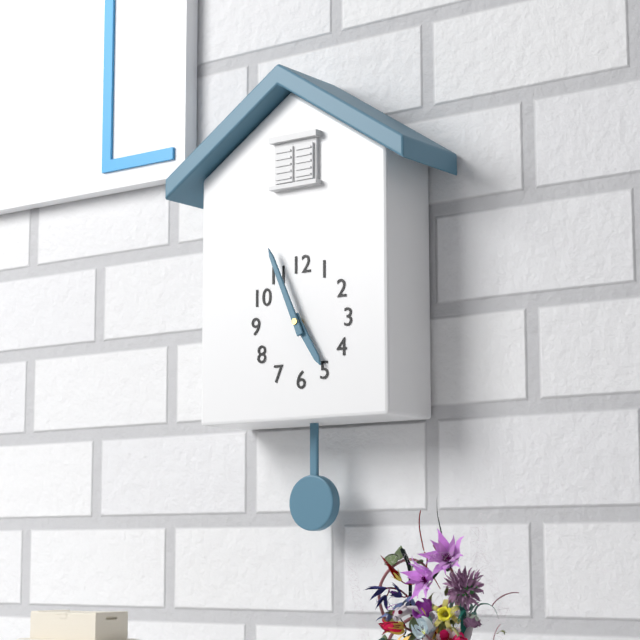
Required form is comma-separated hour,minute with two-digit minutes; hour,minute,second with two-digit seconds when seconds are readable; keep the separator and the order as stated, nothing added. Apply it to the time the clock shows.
4,56
